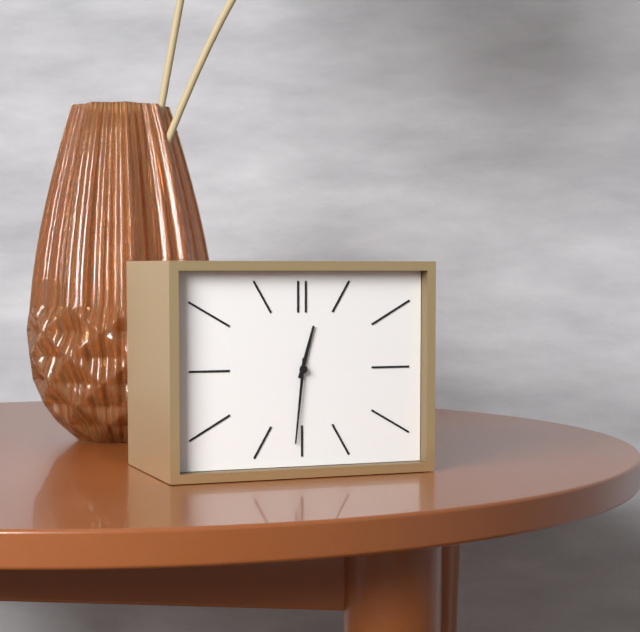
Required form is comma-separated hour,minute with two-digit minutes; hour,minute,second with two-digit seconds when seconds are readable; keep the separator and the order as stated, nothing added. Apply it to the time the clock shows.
12,31
